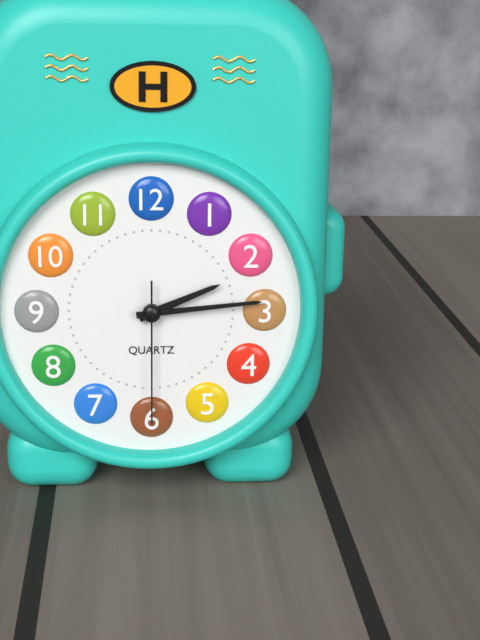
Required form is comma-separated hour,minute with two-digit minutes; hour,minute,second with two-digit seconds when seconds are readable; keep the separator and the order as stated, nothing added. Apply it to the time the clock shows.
2,14,30
